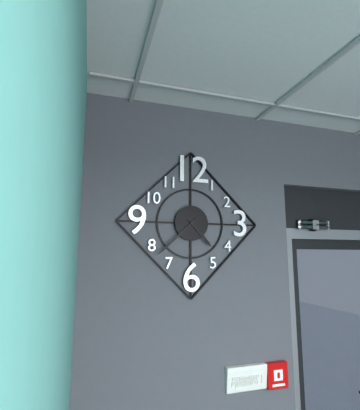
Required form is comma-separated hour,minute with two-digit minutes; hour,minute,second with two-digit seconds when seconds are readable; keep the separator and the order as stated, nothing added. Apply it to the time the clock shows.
4,38
